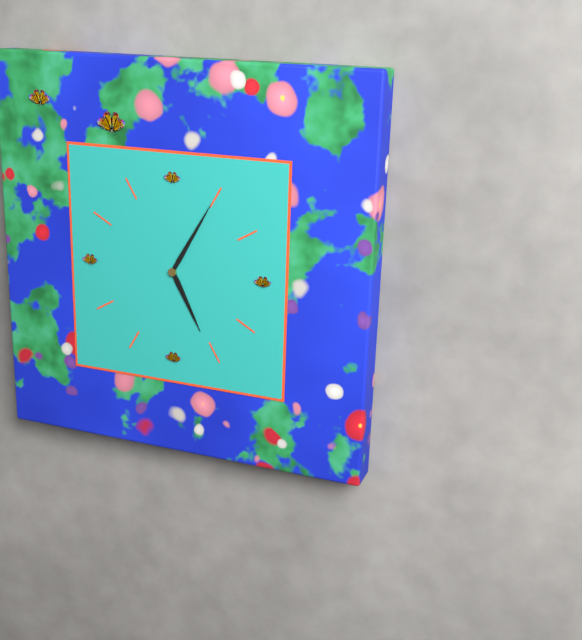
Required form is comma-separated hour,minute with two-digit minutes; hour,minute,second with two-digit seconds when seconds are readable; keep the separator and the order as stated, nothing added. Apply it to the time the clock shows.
5,05
